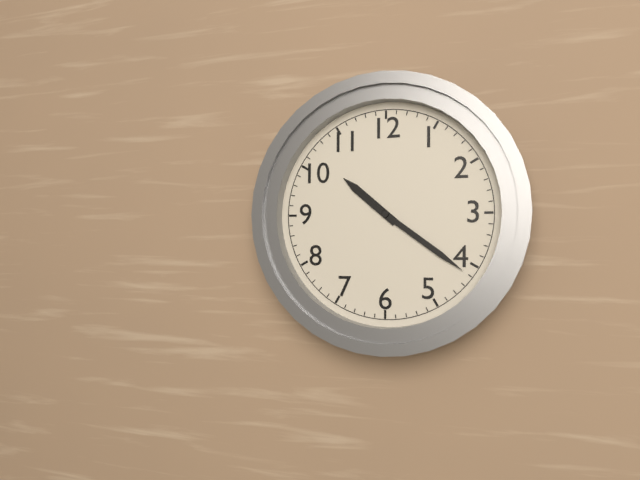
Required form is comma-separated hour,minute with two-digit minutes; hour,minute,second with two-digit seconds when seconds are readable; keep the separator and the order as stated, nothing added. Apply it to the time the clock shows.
10,21
